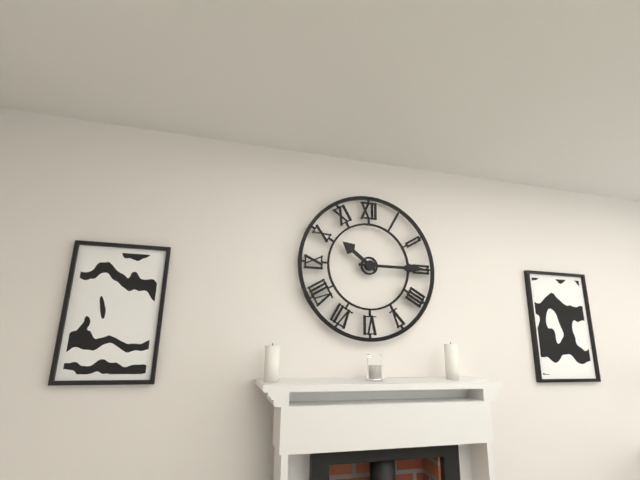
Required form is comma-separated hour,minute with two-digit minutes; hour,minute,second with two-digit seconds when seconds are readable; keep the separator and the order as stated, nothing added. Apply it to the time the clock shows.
10,15
